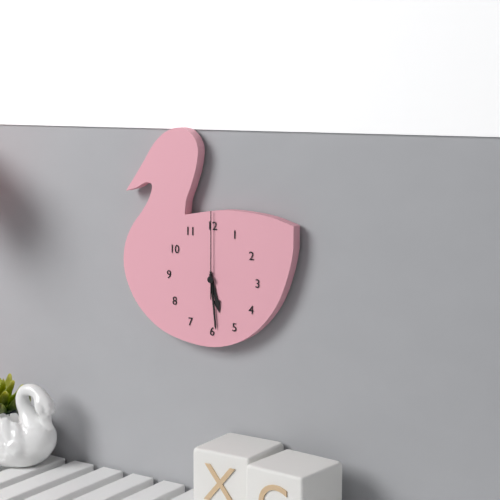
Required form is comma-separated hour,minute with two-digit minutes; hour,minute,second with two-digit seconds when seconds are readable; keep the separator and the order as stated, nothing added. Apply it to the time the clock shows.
5,29,00
